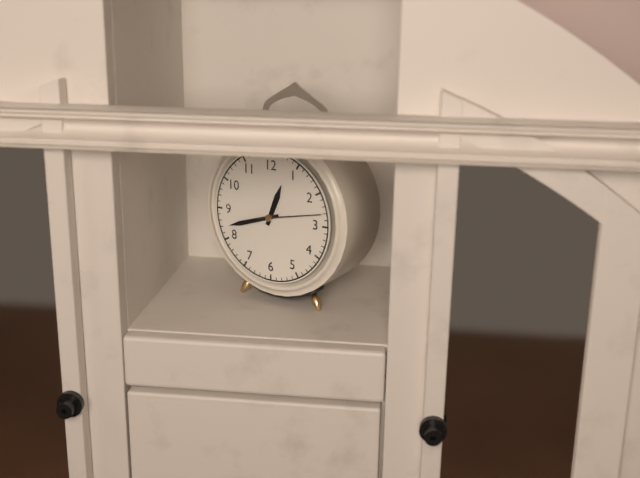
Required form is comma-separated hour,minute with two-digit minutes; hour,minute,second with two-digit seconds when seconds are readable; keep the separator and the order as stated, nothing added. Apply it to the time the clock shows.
12,42,13
